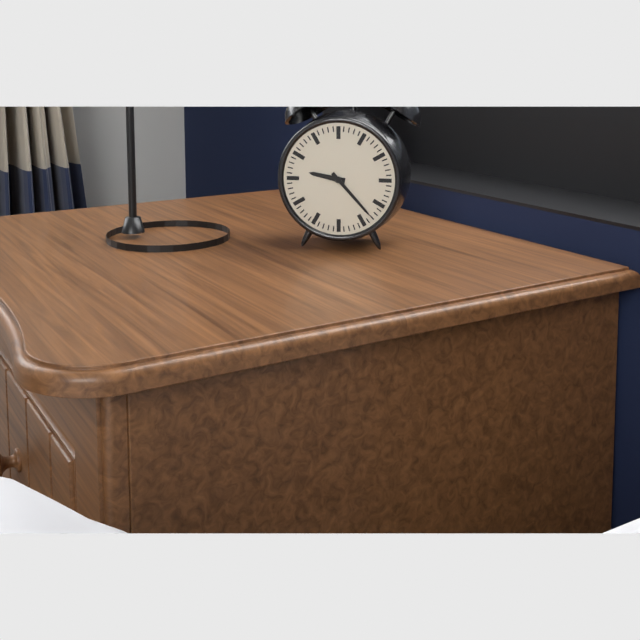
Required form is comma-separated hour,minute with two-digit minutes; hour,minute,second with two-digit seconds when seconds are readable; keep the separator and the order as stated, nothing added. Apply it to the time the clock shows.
9,23
